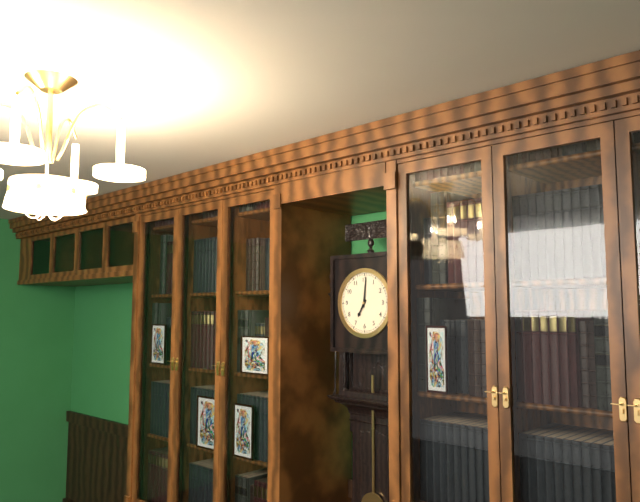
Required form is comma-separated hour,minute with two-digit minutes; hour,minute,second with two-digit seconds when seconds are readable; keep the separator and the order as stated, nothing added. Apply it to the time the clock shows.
7,01
